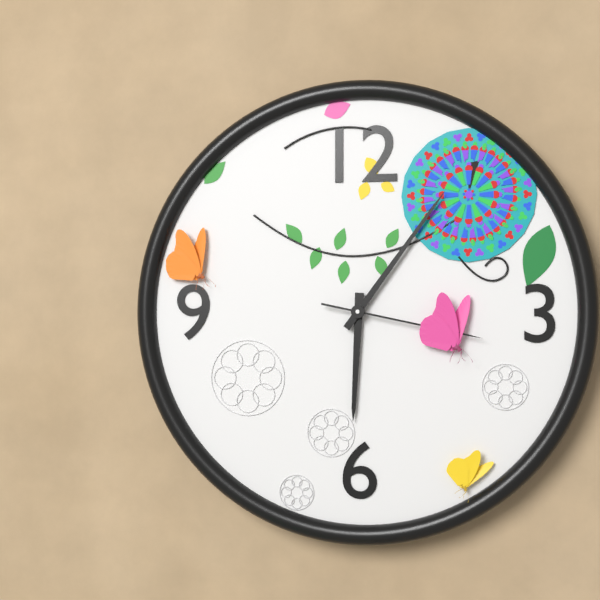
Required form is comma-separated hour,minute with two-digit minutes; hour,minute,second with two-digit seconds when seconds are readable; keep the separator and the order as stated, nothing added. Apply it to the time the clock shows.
6,06,17
